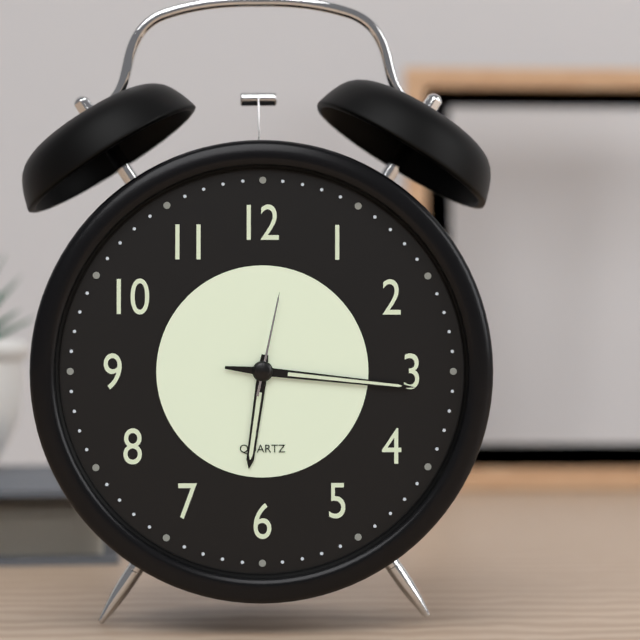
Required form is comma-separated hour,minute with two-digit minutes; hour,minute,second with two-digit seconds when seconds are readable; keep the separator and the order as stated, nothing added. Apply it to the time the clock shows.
6,16,02
